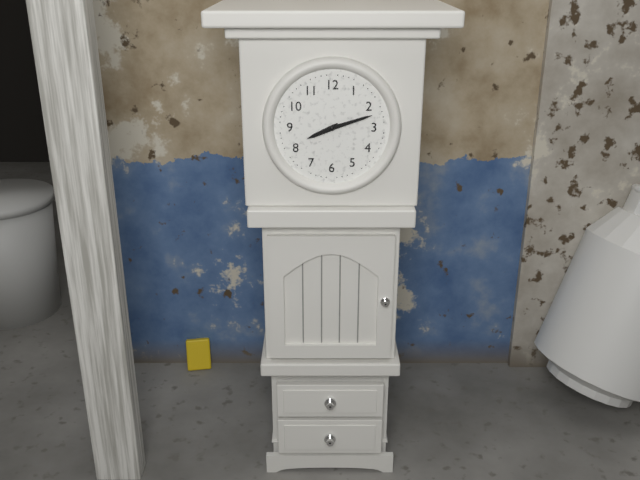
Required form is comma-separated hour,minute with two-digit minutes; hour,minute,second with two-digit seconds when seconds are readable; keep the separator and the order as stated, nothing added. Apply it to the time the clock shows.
8,12
